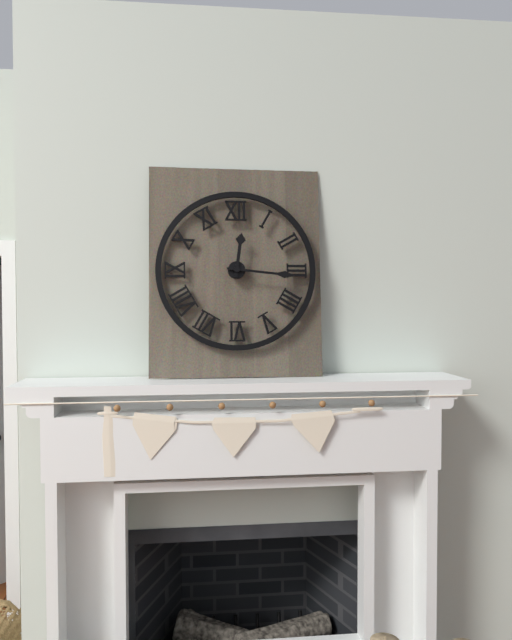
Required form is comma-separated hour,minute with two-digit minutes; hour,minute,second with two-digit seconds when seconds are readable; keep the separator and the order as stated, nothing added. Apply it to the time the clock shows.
12,16
